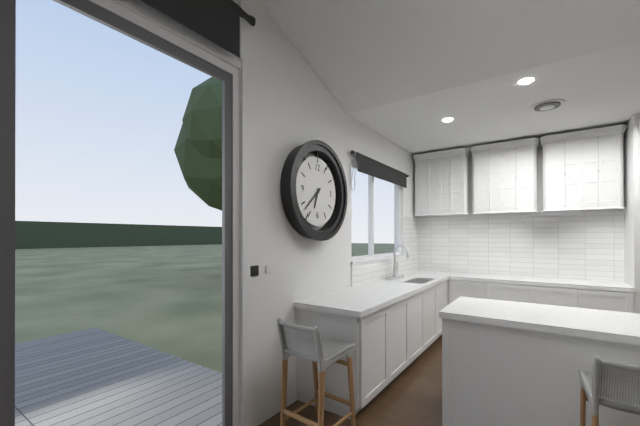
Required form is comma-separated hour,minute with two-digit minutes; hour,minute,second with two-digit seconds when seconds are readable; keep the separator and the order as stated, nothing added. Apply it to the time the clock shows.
6,38
